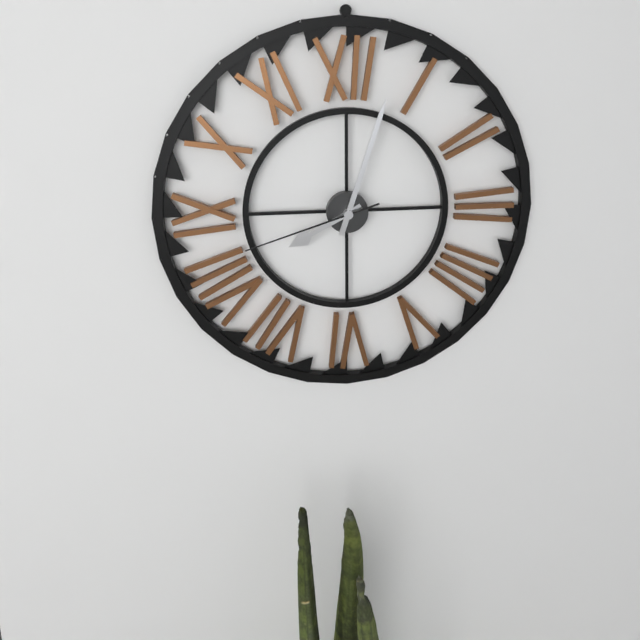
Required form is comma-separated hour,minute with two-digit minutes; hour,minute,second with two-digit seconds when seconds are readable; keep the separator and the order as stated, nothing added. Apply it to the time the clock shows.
8,03,42
